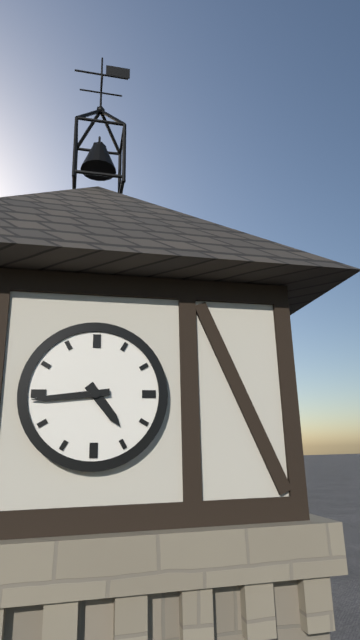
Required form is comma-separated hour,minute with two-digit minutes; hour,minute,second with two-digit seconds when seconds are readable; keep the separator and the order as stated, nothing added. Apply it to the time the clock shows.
4,44
